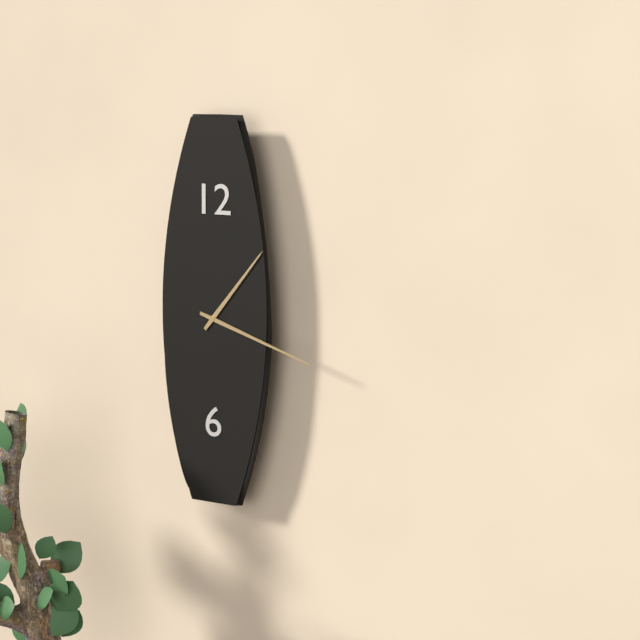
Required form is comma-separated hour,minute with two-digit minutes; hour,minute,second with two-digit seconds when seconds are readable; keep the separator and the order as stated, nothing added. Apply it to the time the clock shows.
1,18
